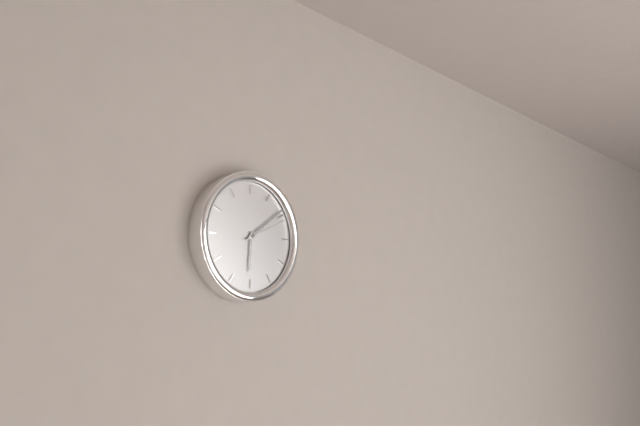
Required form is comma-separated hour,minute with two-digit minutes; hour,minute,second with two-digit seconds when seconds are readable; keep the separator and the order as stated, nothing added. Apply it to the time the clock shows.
6,09,11
